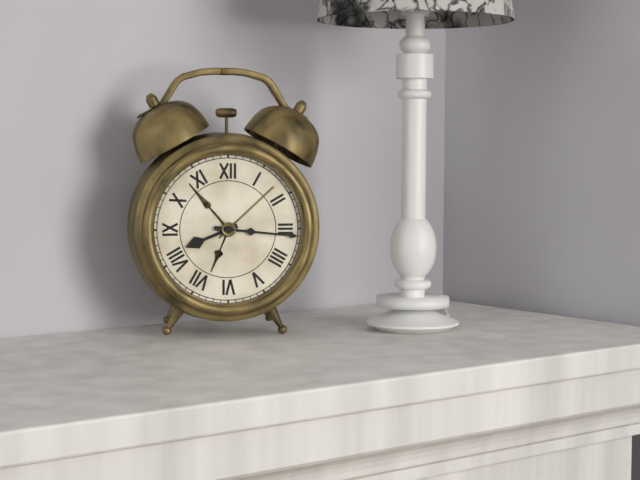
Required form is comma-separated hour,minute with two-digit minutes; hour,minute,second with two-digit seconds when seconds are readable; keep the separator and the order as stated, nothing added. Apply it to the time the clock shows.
8,16
